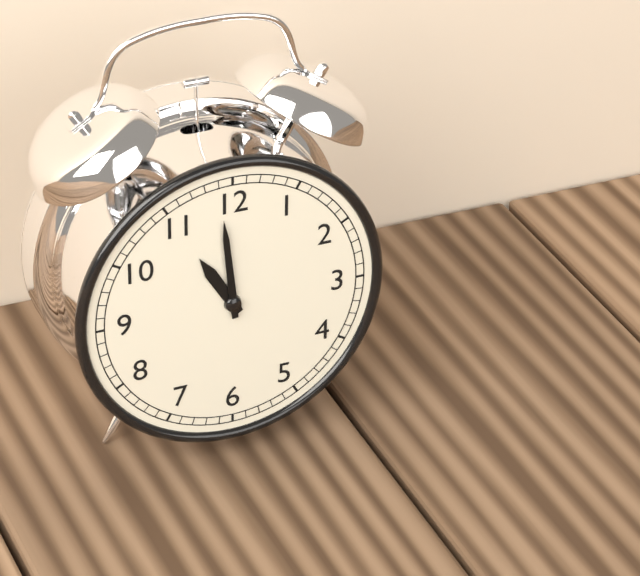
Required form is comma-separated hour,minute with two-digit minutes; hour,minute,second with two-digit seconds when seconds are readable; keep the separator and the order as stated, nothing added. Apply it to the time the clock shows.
10,59
